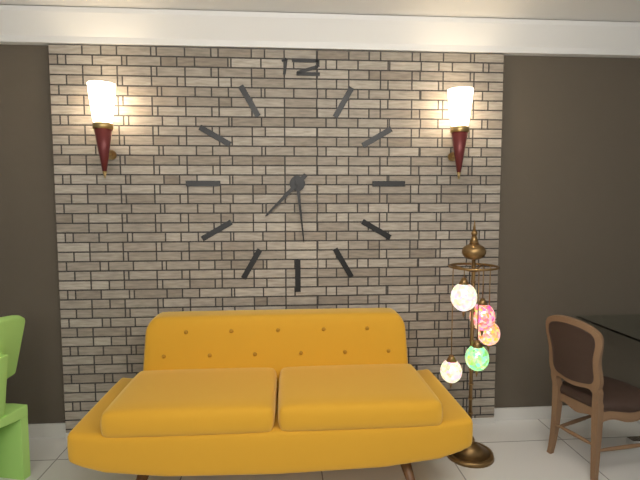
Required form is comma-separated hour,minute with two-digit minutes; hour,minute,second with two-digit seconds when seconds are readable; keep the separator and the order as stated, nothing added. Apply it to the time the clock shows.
7,29
